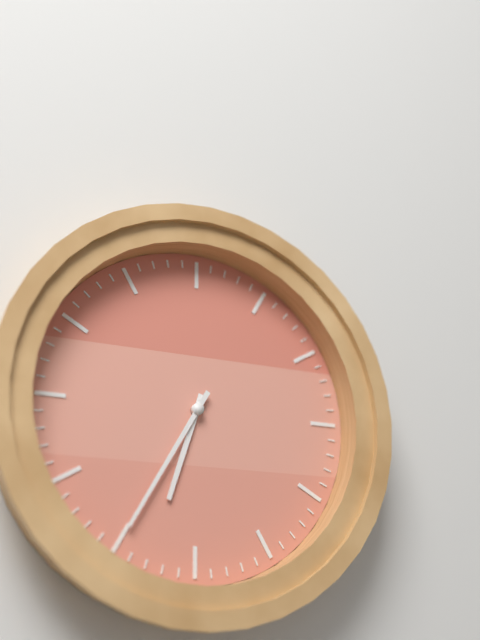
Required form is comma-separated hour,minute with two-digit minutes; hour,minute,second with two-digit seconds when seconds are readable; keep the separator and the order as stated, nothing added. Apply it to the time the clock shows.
6,35
